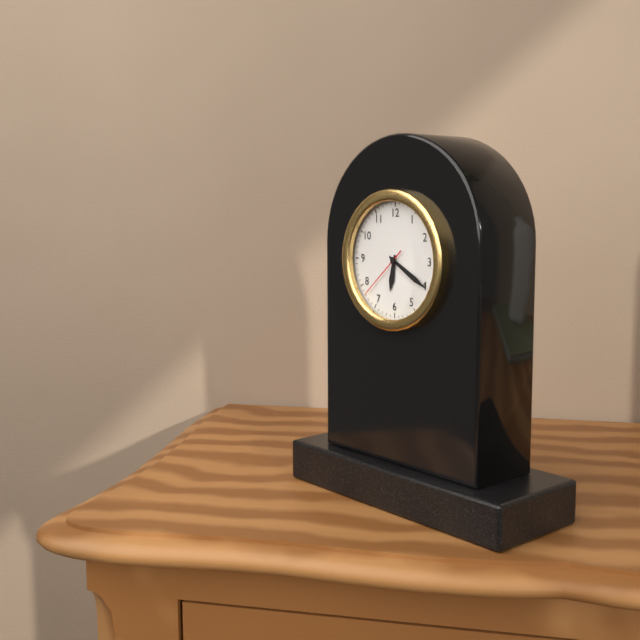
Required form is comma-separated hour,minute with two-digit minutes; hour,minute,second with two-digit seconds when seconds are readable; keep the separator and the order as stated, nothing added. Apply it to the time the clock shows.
6,20,38
